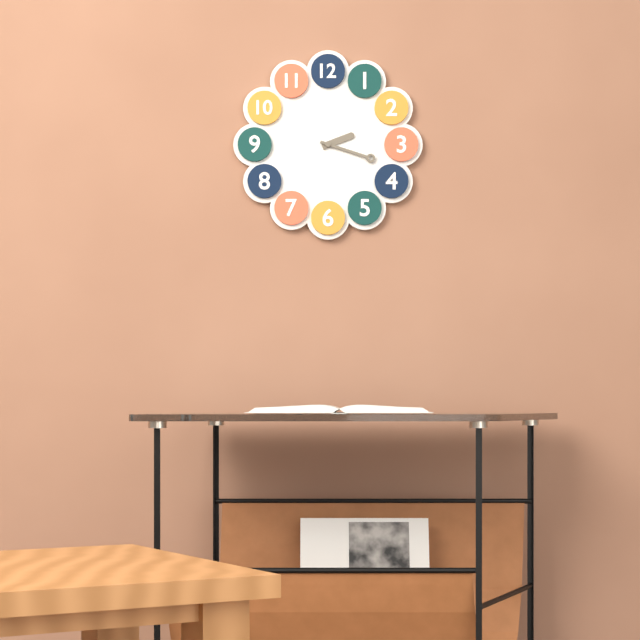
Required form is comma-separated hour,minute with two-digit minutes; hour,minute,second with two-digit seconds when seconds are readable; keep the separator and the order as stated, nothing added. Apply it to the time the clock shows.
2,18
